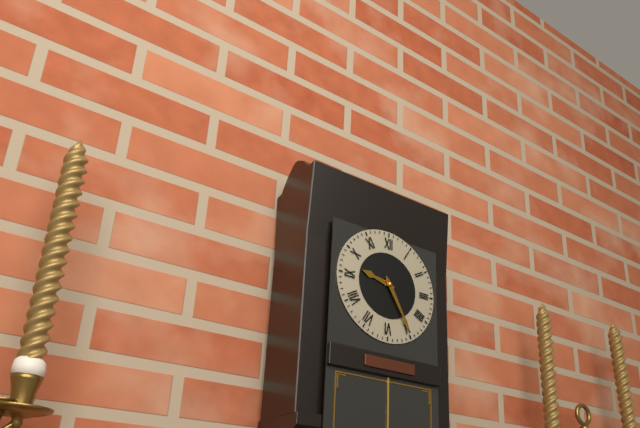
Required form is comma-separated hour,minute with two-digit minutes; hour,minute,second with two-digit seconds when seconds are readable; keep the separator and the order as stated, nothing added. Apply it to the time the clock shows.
9,25
